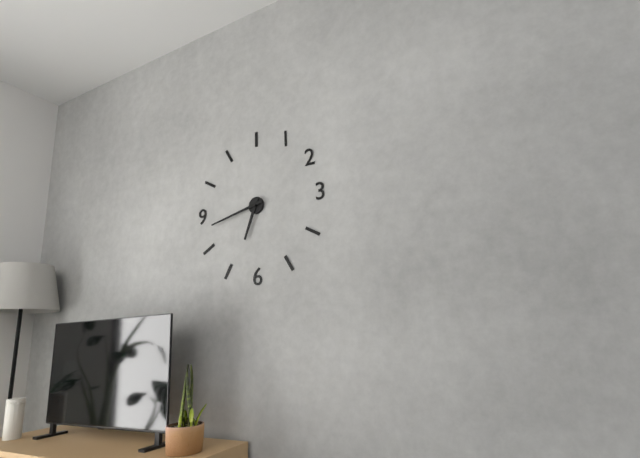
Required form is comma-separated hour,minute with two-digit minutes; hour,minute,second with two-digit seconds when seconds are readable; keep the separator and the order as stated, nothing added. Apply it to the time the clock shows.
6,43
